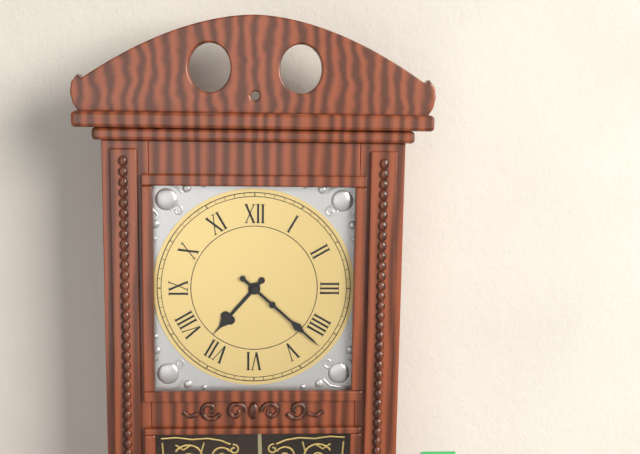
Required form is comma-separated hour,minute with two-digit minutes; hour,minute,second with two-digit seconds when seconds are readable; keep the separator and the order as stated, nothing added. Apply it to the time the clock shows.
7,22
